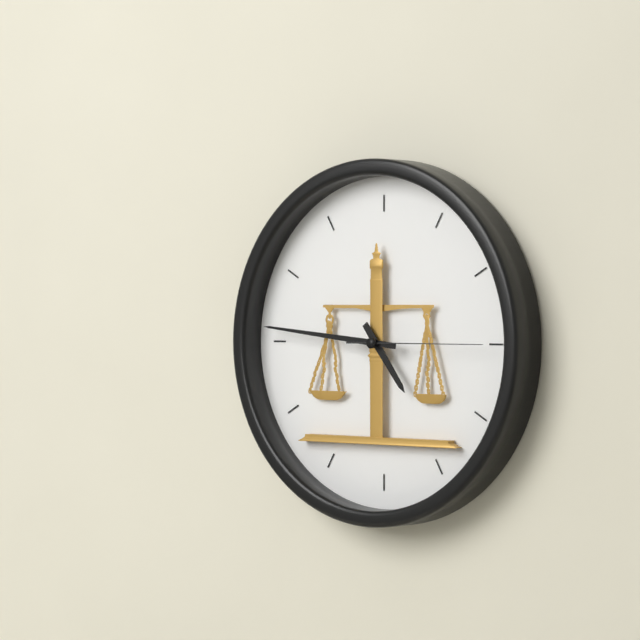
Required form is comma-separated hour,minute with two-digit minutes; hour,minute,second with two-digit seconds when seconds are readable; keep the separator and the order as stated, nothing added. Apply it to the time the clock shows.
4,46,15
